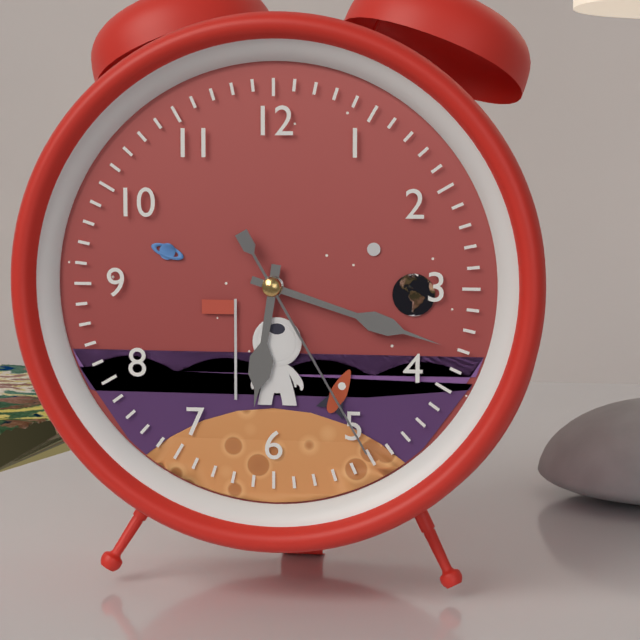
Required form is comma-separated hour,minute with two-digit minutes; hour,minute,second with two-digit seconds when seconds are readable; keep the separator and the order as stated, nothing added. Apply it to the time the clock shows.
6,18,25
